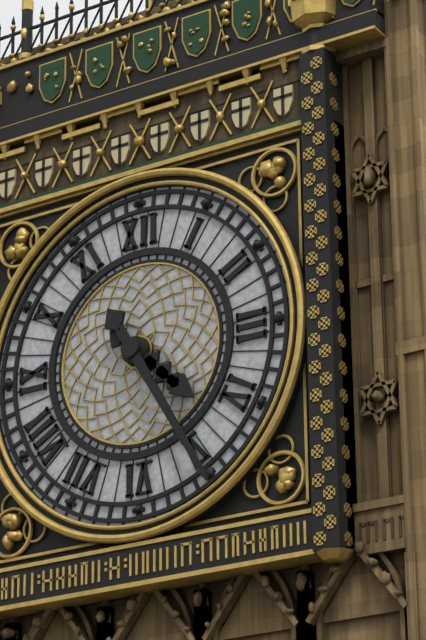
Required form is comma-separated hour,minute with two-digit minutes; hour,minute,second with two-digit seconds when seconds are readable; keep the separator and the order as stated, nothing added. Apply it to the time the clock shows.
4,25
